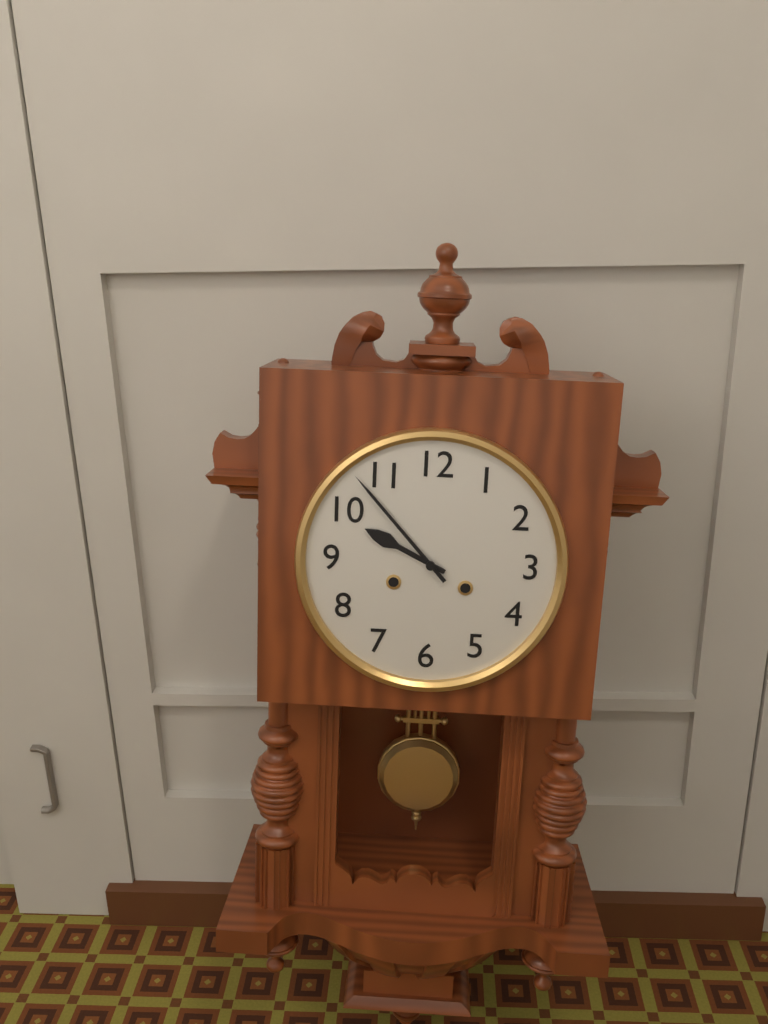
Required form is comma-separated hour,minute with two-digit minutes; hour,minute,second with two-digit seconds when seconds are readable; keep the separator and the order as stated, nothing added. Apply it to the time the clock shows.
9,53
